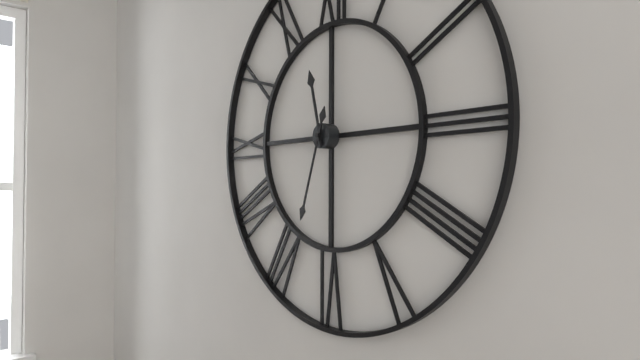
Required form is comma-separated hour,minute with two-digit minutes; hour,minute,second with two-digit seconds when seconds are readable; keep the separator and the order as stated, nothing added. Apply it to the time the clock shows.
11,33
